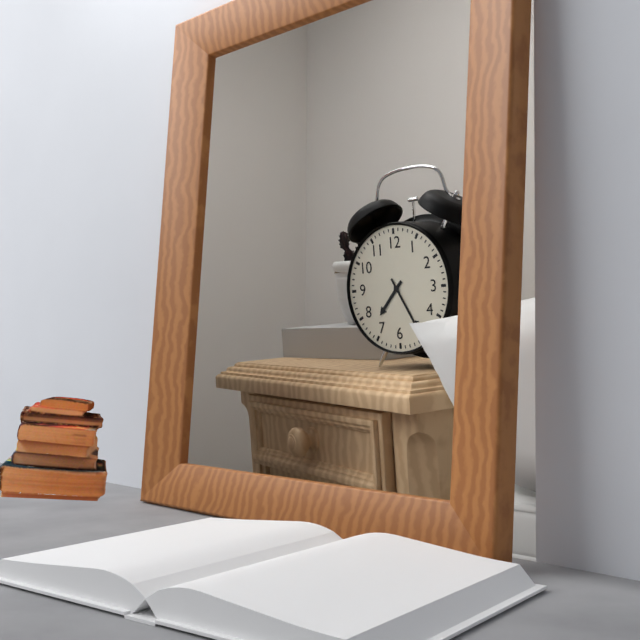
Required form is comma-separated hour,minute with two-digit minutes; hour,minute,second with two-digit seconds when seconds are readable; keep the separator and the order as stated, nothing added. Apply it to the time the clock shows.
7,25
